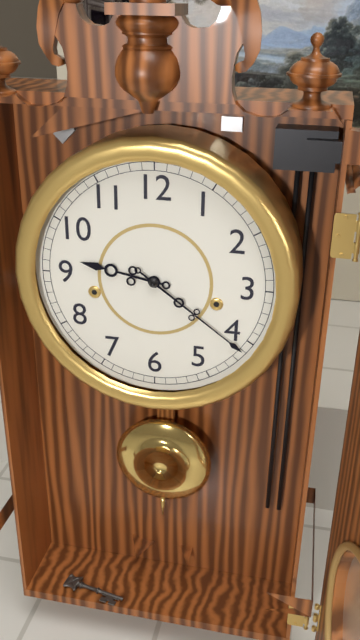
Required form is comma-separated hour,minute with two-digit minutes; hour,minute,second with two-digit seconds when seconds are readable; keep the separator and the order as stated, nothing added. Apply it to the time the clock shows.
9,21
